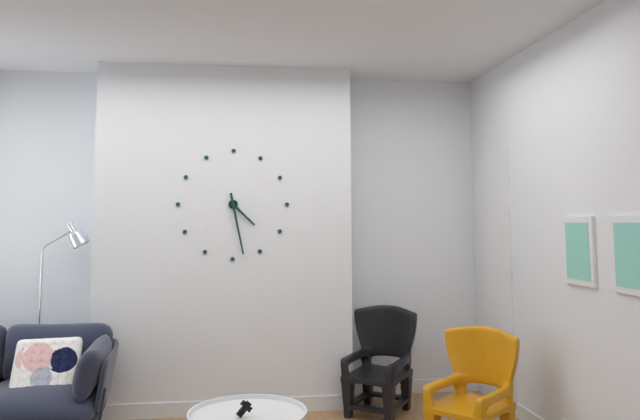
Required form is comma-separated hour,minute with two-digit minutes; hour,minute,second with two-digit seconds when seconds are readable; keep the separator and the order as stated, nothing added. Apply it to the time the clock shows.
4,28
